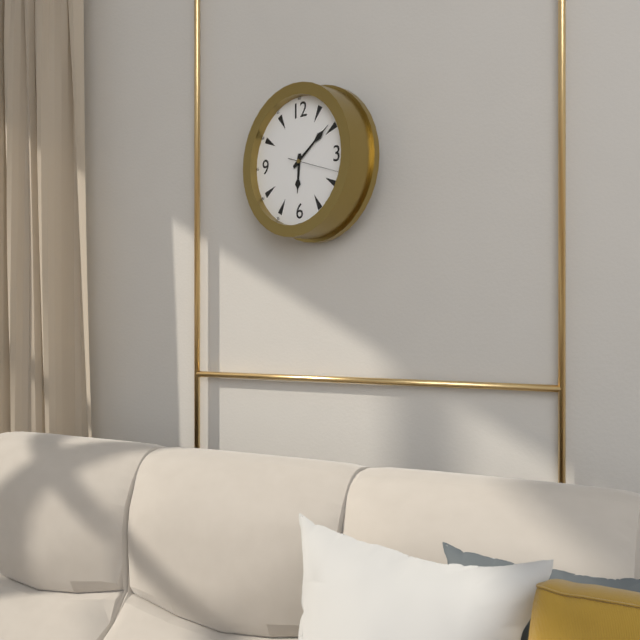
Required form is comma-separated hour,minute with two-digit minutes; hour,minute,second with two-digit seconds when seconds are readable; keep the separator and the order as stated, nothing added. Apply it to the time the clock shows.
6,09,18
